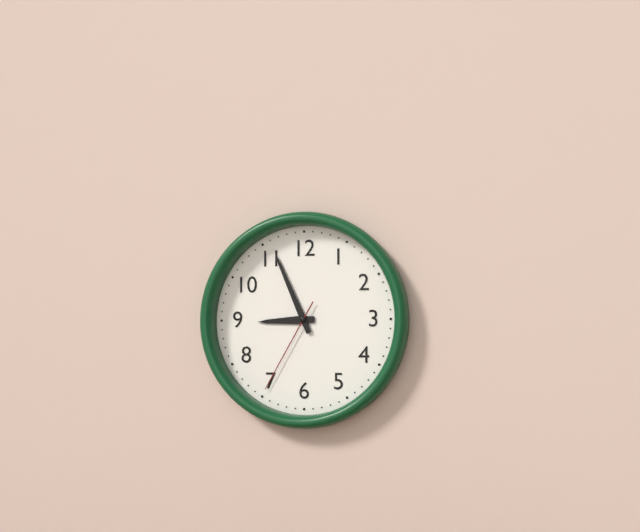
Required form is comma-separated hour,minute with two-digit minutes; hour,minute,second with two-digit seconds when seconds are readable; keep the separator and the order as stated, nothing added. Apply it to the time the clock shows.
8,56,35
